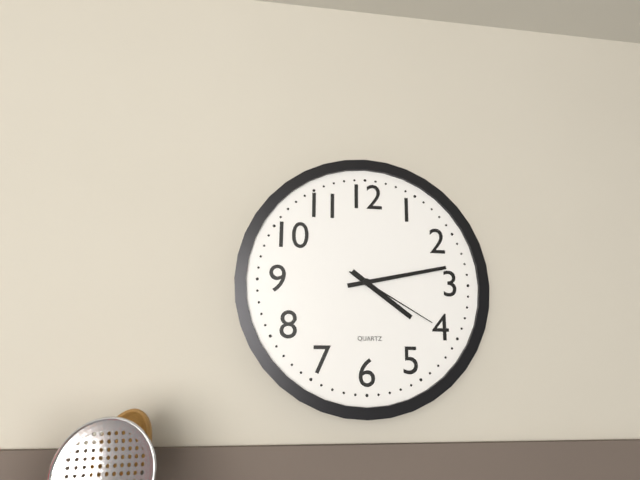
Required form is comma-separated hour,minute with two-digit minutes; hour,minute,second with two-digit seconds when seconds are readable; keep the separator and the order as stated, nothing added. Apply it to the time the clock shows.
4,13,20
